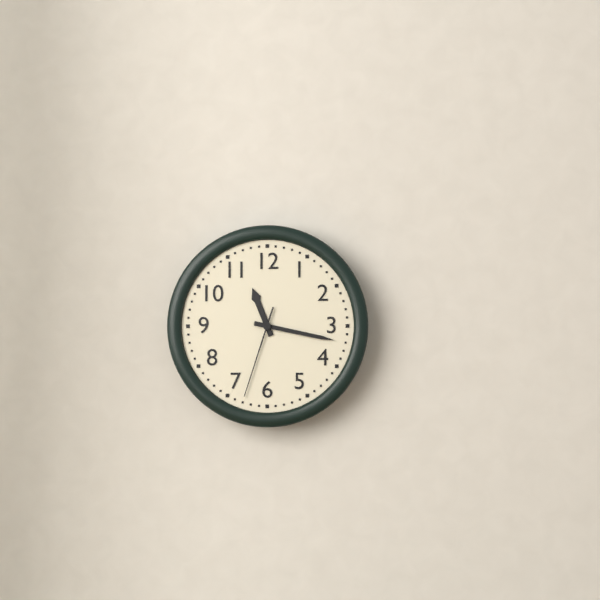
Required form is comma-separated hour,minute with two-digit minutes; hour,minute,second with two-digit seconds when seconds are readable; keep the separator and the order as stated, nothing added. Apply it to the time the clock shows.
11,17,33
